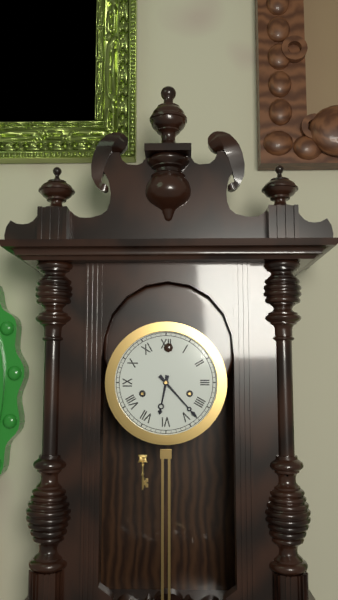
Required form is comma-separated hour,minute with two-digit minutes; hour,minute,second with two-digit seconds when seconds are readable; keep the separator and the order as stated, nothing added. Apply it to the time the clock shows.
6,23
